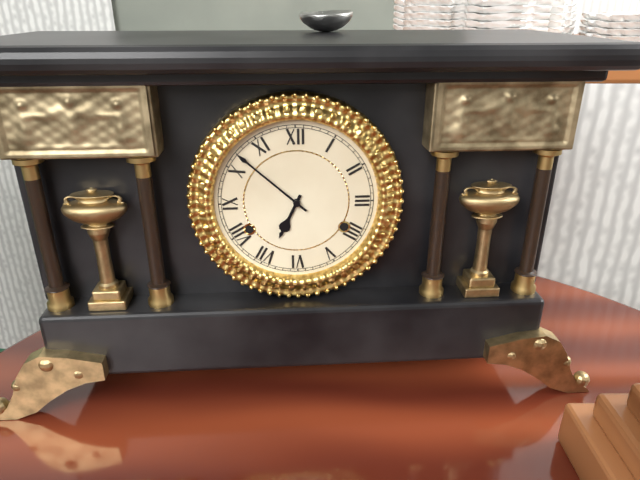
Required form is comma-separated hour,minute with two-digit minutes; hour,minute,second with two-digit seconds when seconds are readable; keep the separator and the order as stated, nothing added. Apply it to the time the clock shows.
6,52
